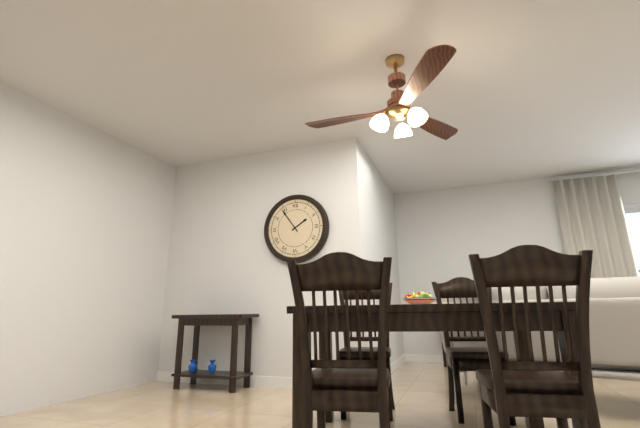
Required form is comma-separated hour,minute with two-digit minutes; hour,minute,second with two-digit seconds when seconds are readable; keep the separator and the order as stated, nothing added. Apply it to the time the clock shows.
1,54
